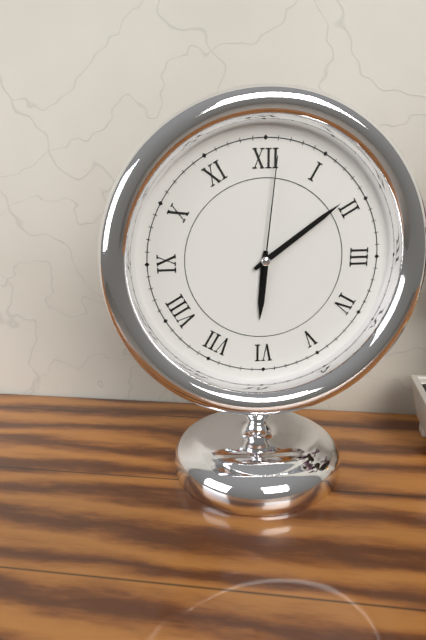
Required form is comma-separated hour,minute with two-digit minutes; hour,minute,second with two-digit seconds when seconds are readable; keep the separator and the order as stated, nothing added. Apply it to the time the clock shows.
6,09,01
